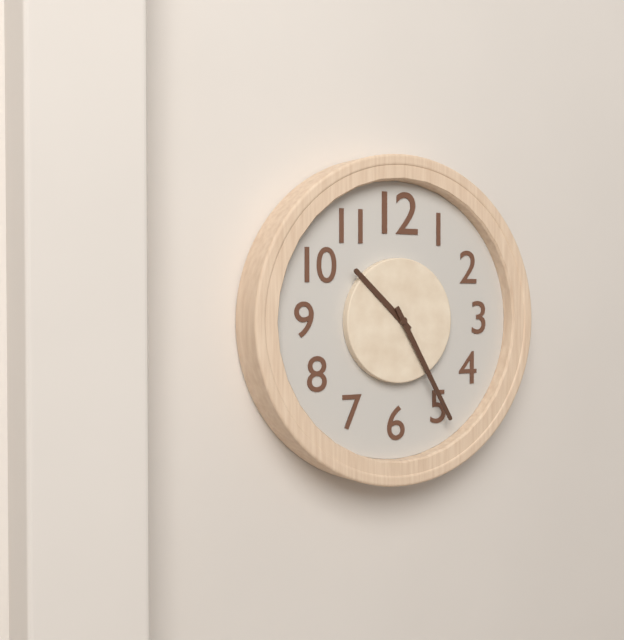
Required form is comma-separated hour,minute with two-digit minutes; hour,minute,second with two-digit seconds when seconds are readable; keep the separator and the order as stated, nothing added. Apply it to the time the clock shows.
10,25
